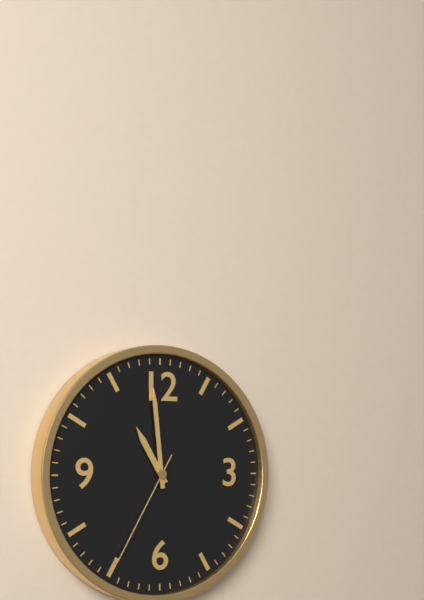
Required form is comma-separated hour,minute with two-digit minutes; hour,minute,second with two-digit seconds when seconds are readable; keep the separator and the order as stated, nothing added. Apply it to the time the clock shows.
10,59,35
